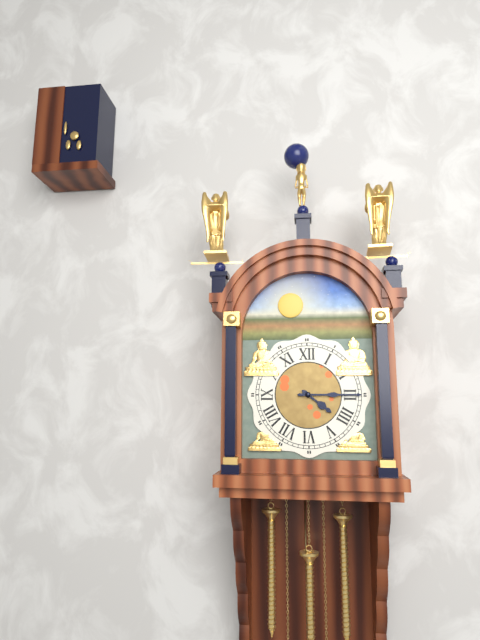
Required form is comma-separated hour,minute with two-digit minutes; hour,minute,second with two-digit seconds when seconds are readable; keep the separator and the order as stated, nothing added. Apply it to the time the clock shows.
4,15
